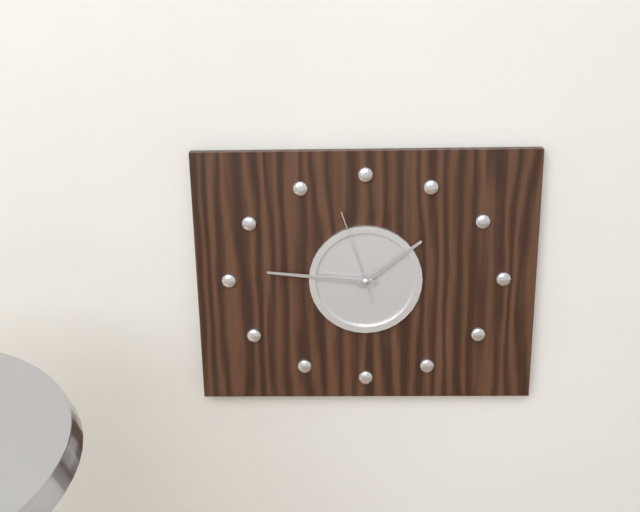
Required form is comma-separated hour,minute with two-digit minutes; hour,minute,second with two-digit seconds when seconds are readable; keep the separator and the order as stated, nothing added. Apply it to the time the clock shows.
1,46,57
